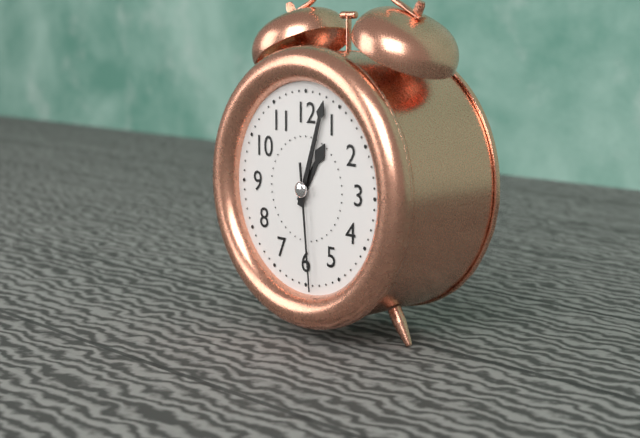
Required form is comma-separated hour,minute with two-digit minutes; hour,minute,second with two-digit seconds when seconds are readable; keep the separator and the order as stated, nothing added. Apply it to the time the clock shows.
1,03,29
